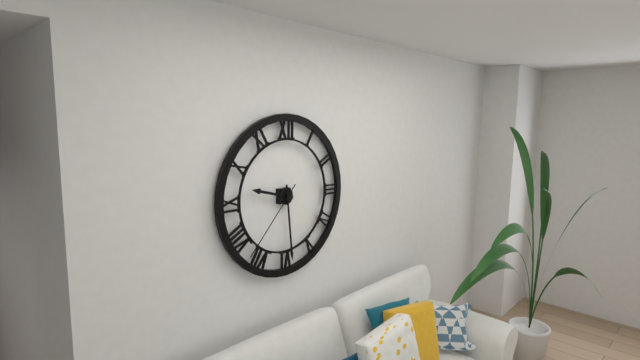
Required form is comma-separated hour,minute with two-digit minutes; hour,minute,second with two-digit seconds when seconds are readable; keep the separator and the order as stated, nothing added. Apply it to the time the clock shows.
9,29,37
